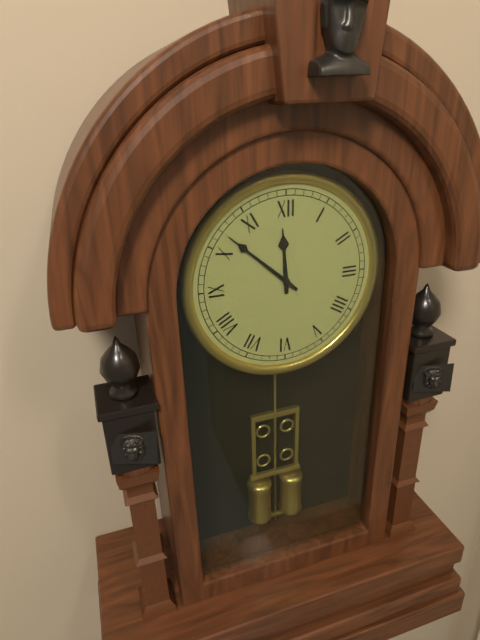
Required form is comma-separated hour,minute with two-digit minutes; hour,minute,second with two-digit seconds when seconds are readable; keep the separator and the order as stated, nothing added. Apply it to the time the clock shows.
11,52
